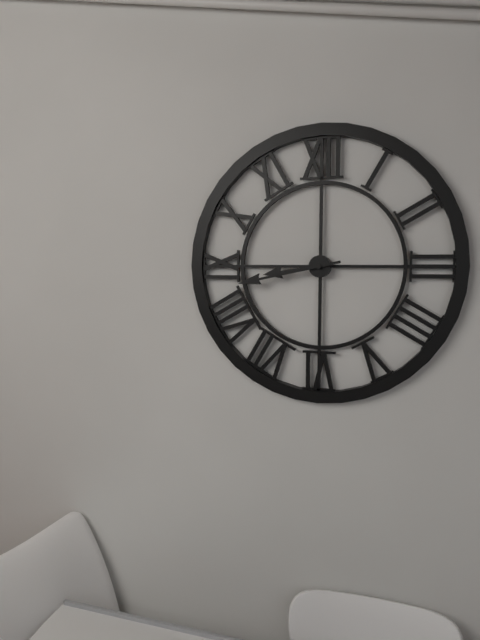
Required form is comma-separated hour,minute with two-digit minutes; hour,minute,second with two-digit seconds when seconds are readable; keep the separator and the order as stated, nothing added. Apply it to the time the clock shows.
8,43
